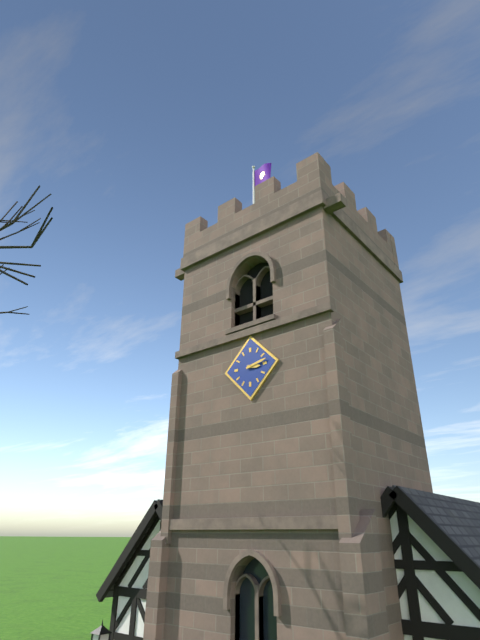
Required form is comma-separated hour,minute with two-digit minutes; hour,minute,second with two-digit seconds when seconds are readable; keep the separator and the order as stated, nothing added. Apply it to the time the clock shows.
3,13
